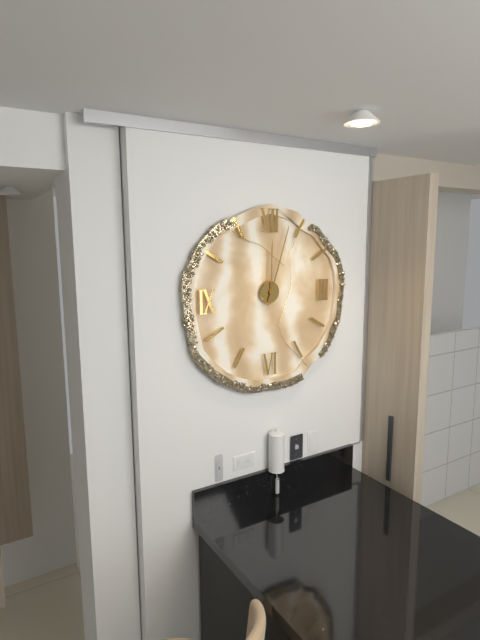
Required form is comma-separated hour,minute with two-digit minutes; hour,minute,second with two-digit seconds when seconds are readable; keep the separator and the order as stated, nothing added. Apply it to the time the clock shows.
12,03
